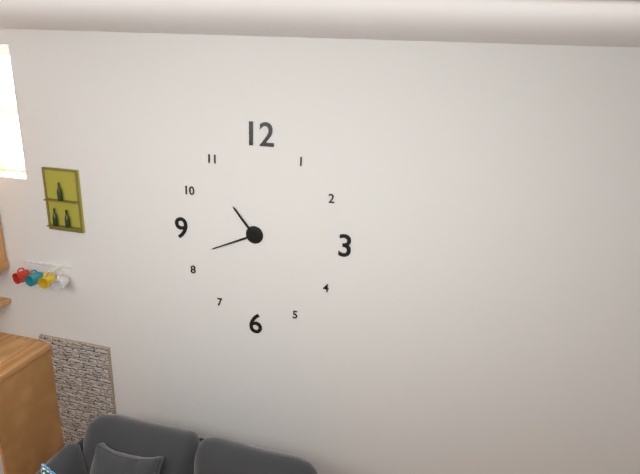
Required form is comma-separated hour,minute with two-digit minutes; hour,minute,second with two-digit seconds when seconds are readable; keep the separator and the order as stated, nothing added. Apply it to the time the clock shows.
10,41
